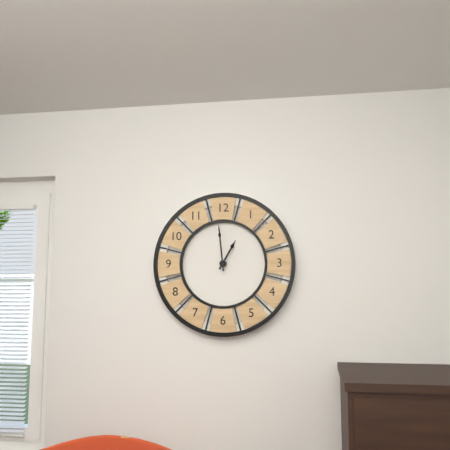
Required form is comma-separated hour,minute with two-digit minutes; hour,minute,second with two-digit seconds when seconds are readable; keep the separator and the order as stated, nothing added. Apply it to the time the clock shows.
12,59
